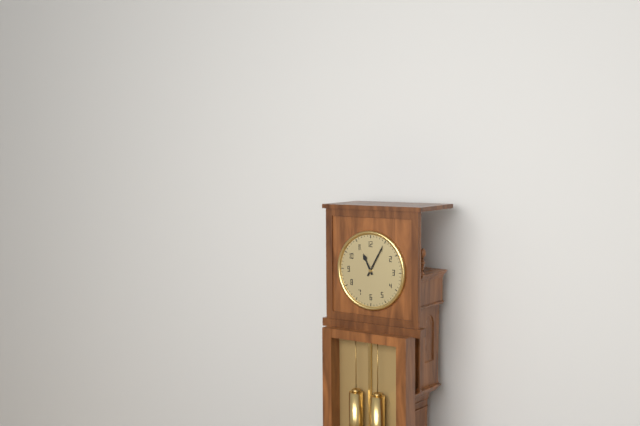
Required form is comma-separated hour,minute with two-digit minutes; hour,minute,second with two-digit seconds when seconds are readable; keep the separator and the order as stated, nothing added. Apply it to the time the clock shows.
11,05
